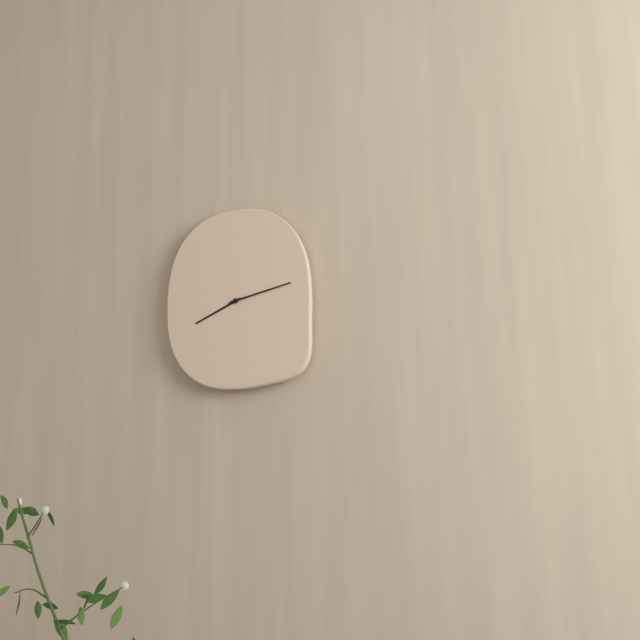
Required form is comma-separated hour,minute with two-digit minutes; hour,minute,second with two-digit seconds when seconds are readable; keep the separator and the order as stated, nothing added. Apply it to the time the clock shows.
8,13
